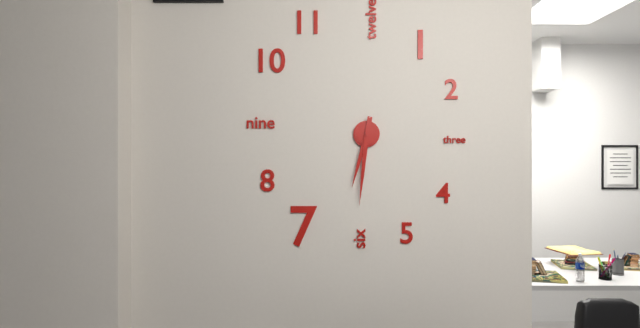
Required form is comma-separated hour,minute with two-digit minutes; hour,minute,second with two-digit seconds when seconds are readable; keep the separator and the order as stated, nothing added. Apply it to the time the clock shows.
6,31
